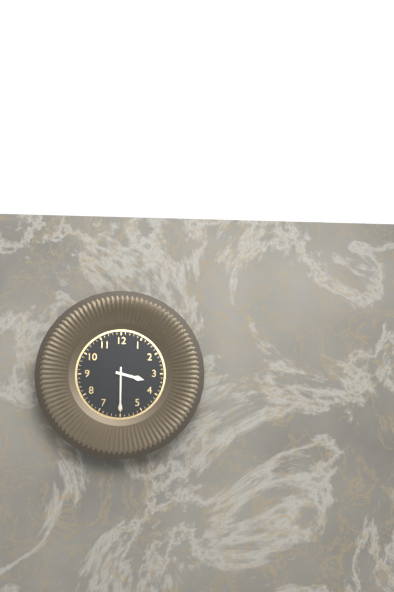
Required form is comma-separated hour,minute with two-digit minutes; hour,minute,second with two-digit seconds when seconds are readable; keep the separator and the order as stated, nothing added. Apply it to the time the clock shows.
3,30
